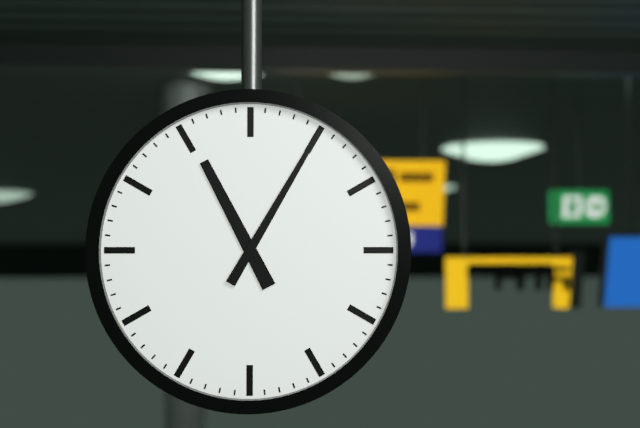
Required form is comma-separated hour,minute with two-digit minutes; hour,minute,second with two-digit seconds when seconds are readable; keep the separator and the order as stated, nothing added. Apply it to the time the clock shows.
11,05
